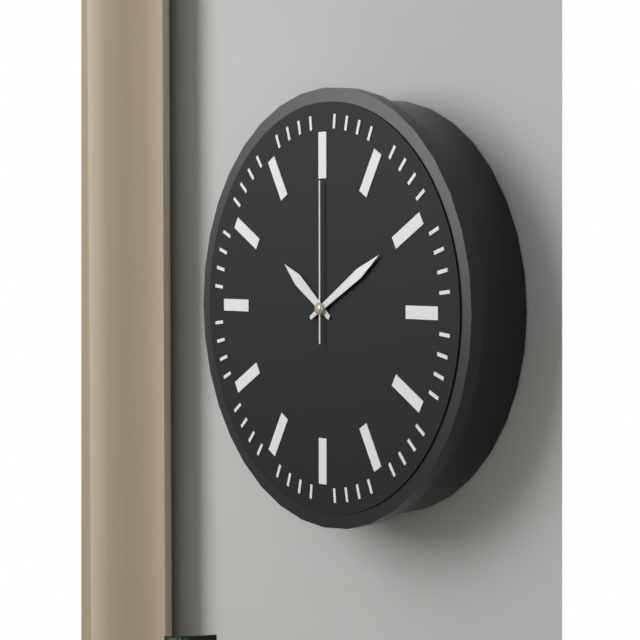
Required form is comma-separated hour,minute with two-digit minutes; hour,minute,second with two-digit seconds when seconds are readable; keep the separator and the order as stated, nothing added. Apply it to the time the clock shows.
10,10,00
